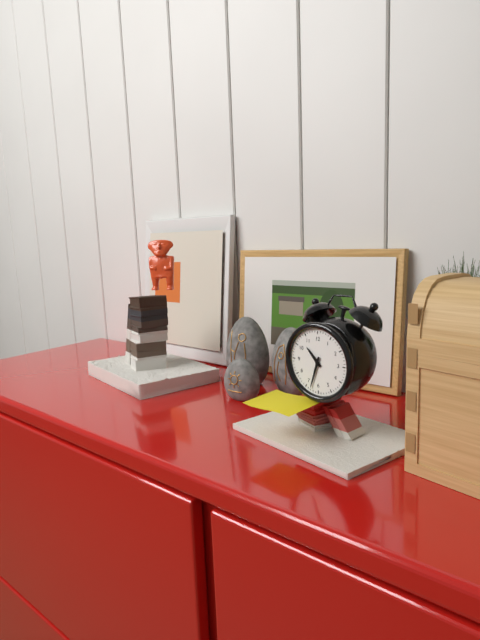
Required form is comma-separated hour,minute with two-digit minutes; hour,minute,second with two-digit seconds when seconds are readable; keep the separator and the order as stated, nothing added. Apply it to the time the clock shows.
10,33
